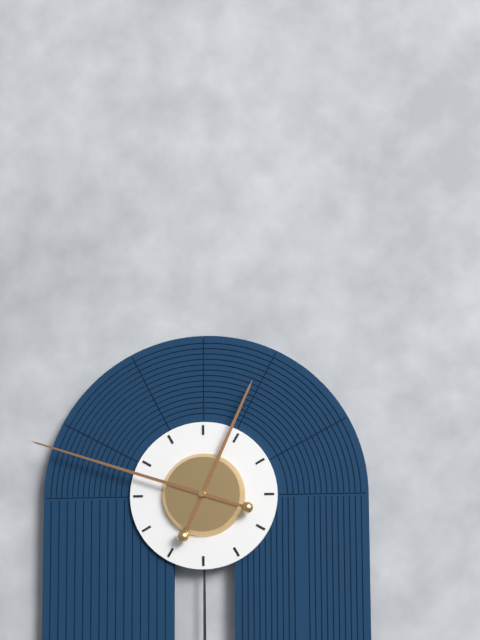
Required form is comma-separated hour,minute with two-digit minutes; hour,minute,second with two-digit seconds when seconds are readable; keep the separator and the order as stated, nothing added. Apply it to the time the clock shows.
12,48
